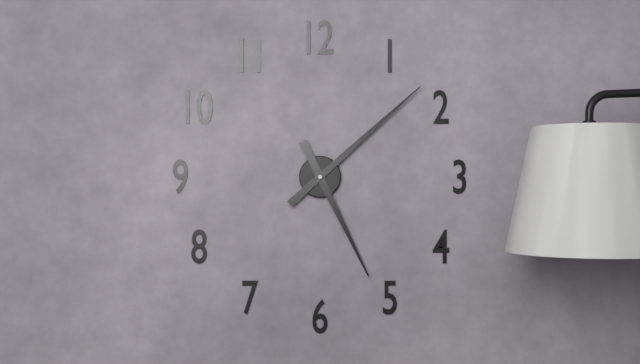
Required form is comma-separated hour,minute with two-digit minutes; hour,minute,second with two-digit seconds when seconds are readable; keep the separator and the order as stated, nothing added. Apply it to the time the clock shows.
5,08
